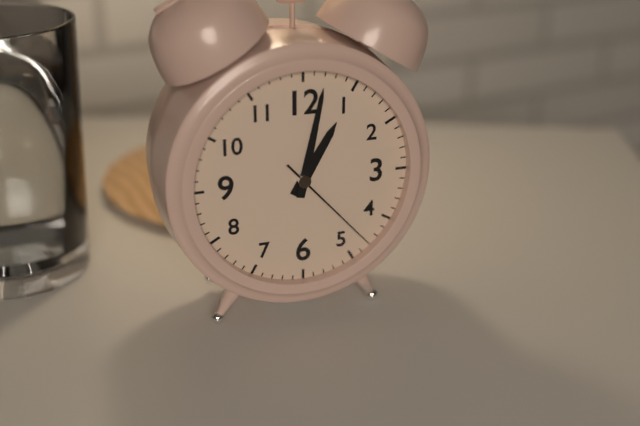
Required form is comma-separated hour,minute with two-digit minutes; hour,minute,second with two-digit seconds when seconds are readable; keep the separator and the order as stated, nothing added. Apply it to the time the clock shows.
1,02,23
